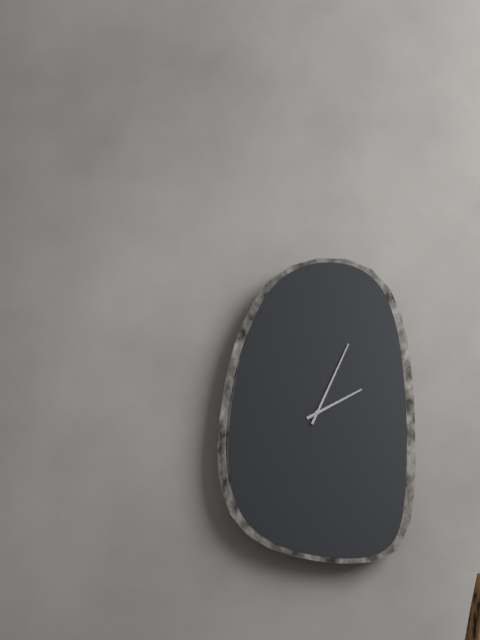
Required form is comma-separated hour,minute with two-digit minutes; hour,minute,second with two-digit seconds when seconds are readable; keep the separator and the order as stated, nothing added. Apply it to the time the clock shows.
2,04
